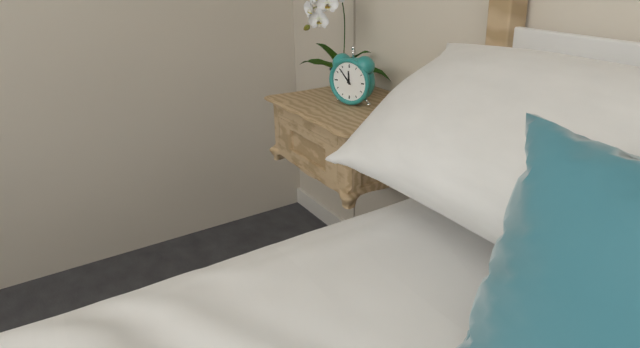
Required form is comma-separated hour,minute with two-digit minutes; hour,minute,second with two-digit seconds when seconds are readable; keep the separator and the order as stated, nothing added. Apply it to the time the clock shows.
11,53
